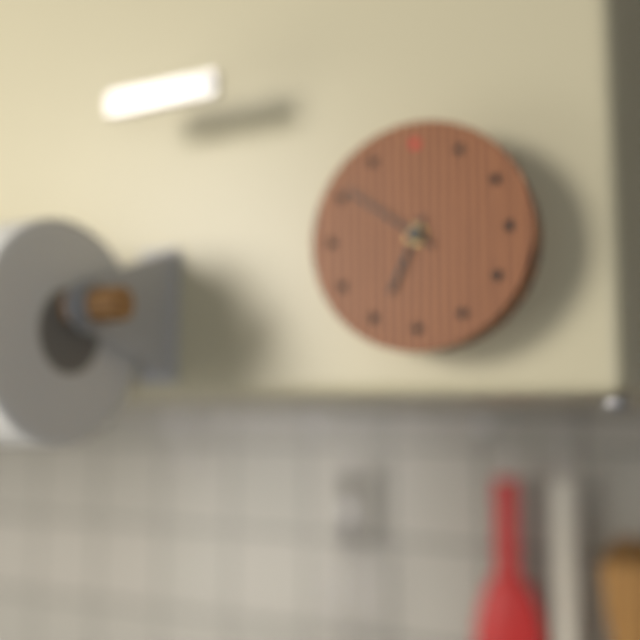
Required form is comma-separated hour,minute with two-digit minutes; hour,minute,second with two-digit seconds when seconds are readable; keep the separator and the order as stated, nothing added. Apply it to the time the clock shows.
6,51
